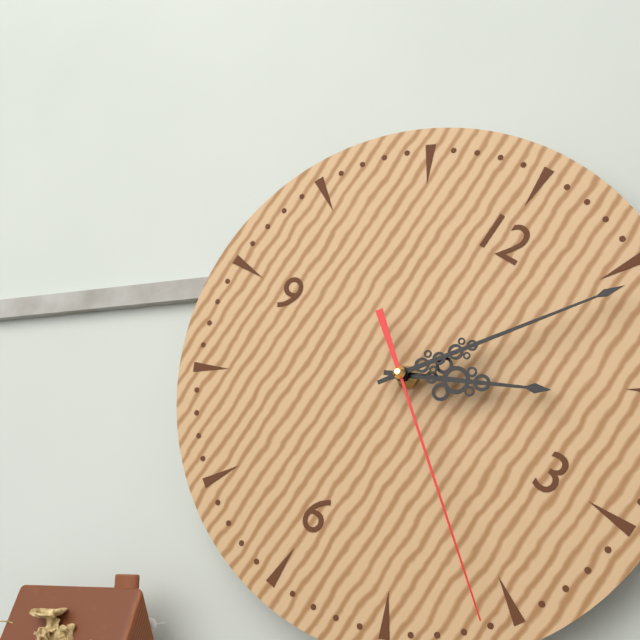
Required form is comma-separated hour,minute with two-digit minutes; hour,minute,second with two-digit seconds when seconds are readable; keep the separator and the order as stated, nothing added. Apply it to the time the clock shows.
2,06,21
